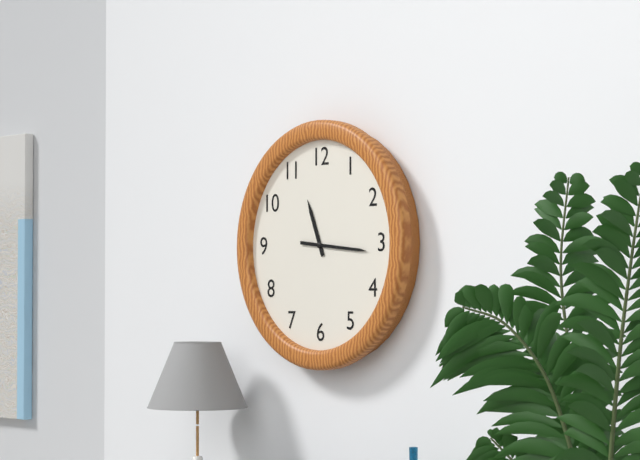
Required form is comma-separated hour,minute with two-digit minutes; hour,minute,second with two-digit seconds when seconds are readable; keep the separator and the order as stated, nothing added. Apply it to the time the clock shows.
11,16
